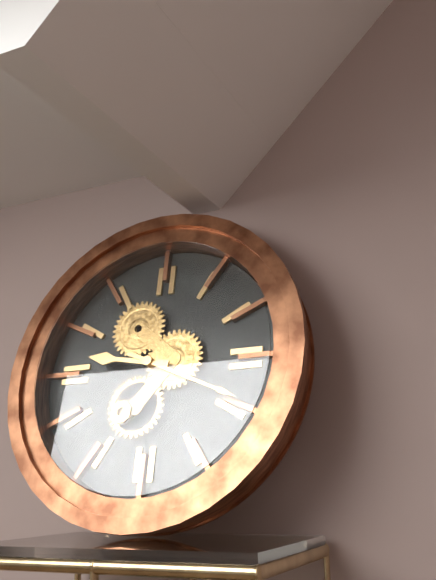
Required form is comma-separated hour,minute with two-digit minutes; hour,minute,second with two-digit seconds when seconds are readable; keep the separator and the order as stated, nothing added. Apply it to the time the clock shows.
9,19
